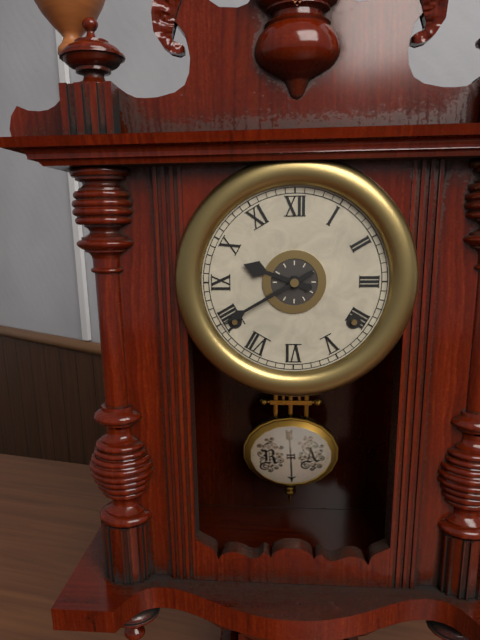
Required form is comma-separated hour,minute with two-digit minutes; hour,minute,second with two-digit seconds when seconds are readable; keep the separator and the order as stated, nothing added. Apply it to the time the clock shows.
9,40
